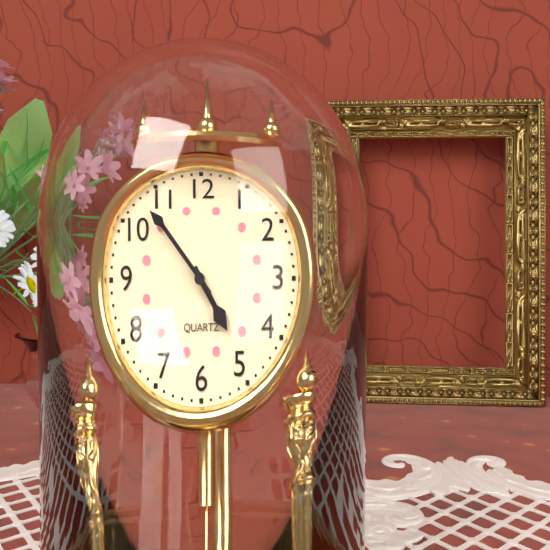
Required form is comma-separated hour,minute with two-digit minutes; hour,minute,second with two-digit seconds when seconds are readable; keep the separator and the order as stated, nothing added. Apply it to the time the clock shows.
4,53
